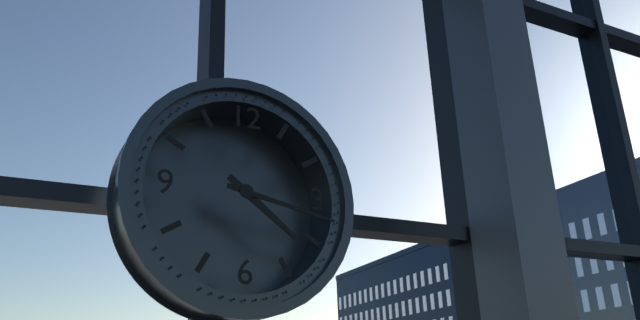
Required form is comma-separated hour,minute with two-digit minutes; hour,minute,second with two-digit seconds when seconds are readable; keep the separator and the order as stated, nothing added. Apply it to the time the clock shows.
4,17
